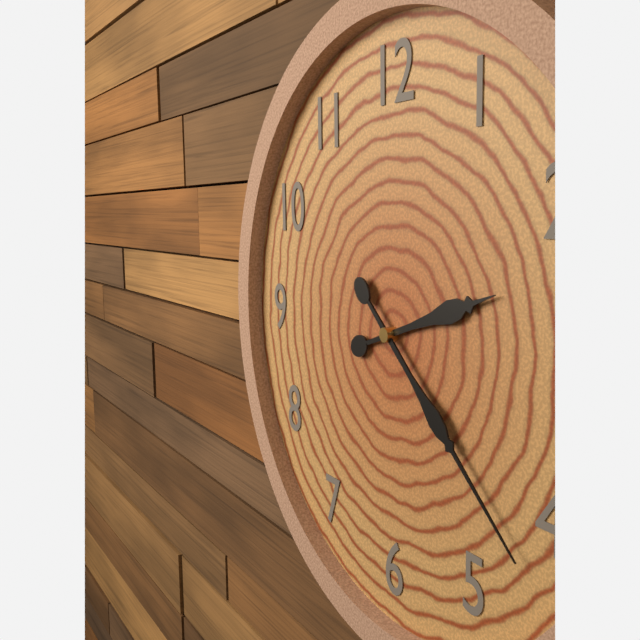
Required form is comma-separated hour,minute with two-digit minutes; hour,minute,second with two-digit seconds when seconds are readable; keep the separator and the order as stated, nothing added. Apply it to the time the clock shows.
2,22
